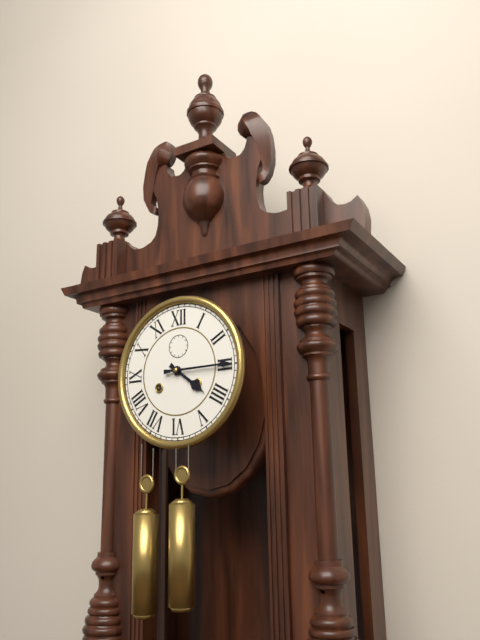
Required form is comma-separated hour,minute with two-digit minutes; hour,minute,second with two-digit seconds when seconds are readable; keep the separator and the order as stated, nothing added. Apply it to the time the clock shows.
4,15
